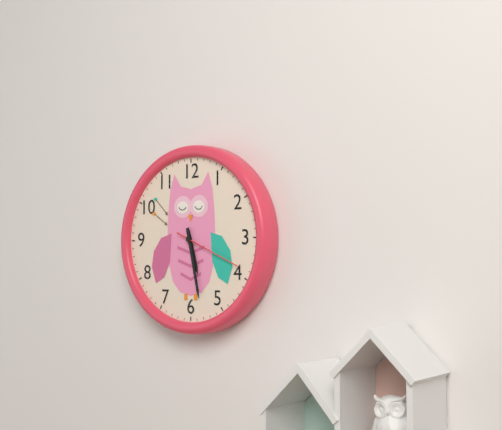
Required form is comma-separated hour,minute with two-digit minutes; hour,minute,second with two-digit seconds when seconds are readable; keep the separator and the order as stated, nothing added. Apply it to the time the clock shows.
5,28,19
